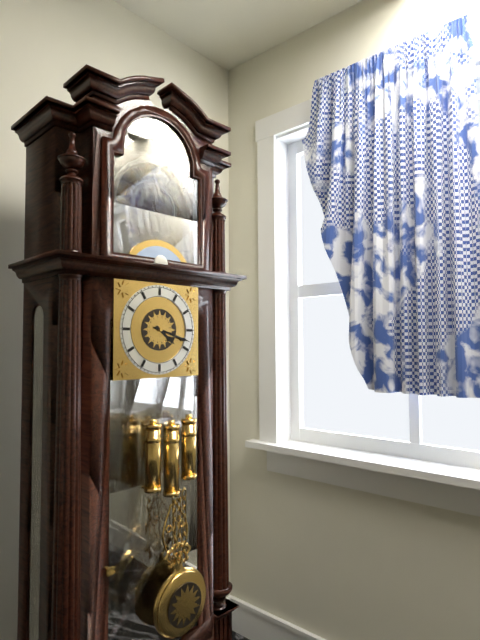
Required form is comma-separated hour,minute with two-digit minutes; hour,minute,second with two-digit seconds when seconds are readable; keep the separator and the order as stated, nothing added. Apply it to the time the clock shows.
4,18
